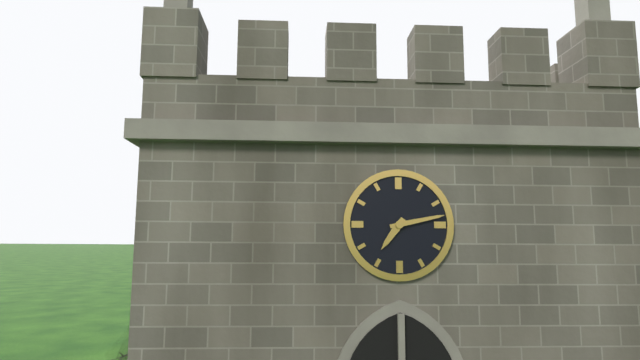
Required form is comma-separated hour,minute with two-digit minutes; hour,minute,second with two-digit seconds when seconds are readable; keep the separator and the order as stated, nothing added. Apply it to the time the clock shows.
7,13
